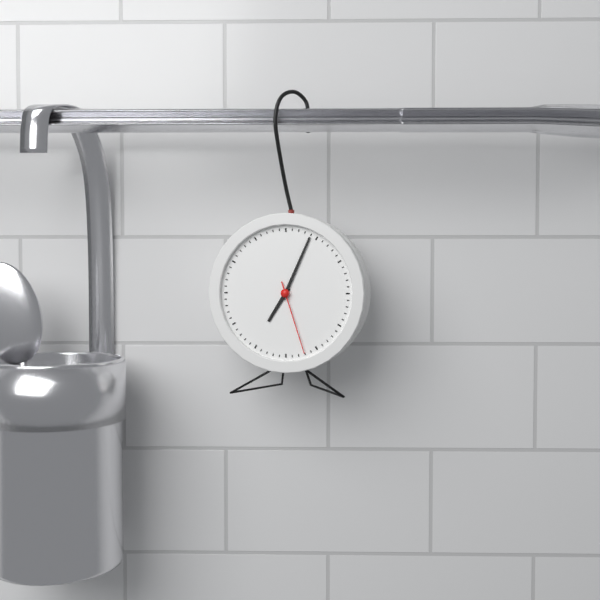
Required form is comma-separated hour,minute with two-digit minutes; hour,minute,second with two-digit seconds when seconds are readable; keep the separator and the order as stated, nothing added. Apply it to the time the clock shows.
7,04,27
